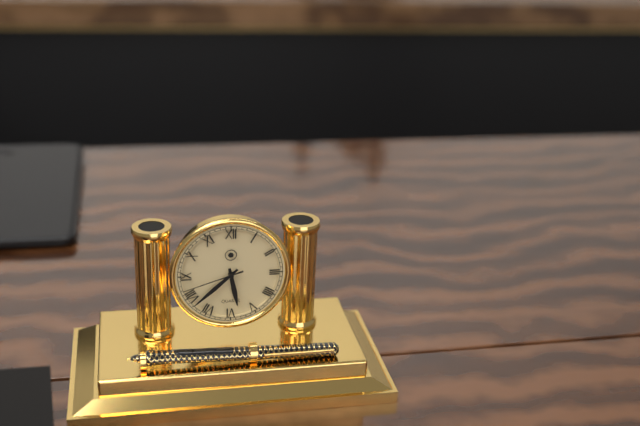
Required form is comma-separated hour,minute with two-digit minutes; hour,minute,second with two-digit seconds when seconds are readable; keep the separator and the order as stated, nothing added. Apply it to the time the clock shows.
5,38,42
